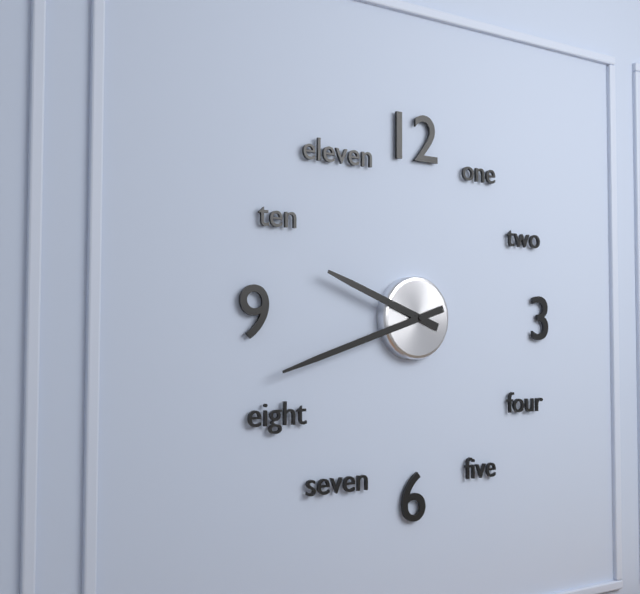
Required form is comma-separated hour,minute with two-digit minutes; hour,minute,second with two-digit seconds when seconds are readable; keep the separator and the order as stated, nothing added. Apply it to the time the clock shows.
9,42
